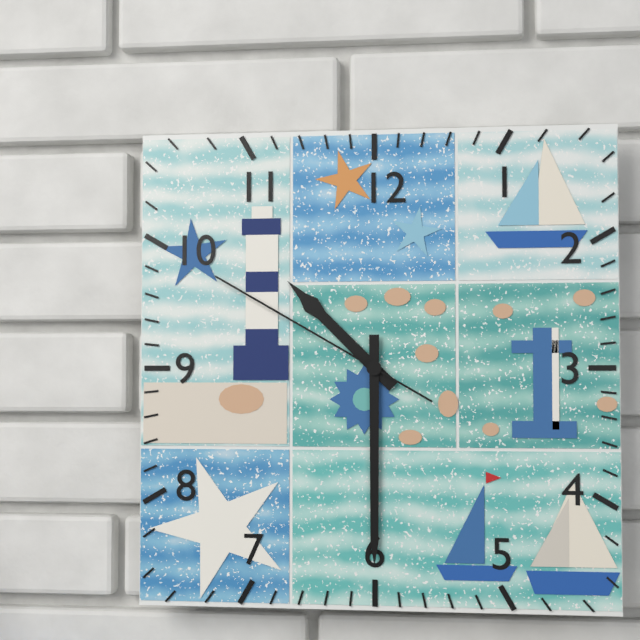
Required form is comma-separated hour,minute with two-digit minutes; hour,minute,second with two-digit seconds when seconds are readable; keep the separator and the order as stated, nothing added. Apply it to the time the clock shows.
10,30,50
